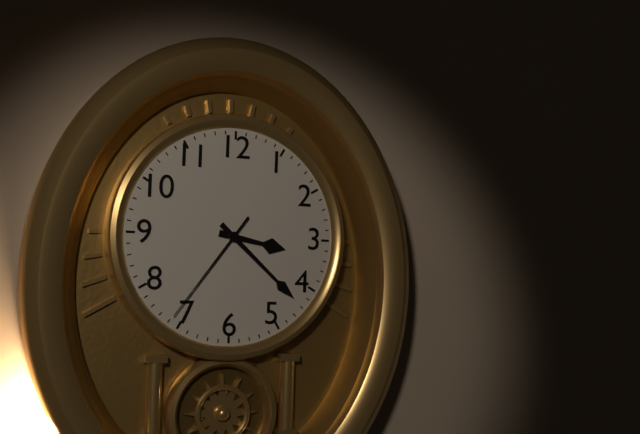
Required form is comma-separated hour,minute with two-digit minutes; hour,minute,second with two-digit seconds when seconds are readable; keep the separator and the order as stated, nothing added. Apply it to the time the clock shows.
3,22,36
